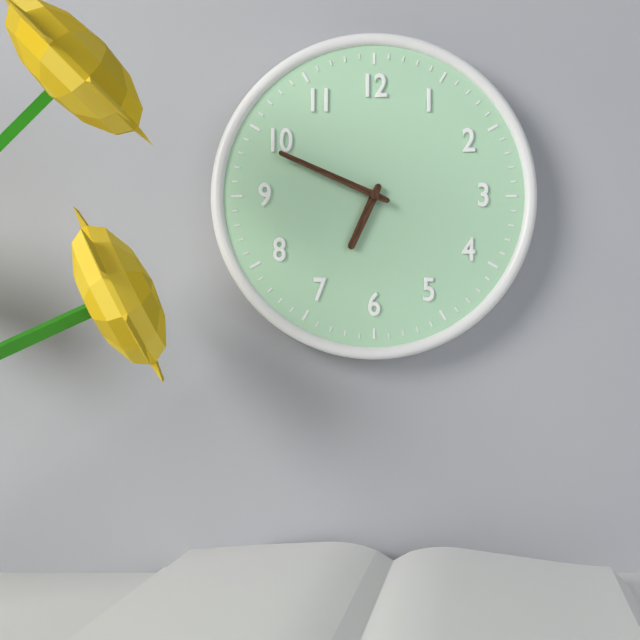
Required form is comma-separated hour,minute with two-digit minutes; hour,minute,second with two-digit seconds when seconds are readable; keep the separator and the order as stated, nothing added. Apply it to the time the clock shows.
6,49
